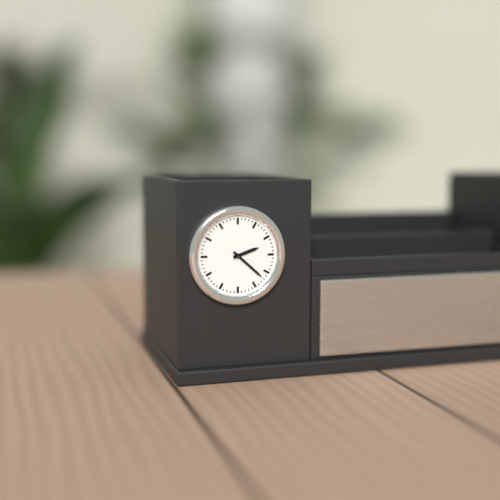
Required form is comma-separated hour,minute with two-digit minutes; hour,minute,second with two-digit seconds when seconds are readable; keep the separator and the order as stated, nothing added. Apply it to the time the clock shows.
2,22
